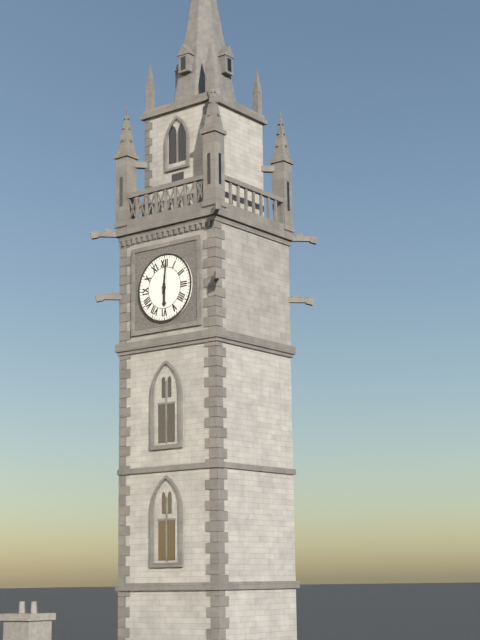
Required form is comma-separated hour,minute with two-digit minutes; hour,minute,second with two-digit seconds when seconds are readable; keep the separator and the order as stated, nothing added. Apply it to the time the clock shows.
6,01
